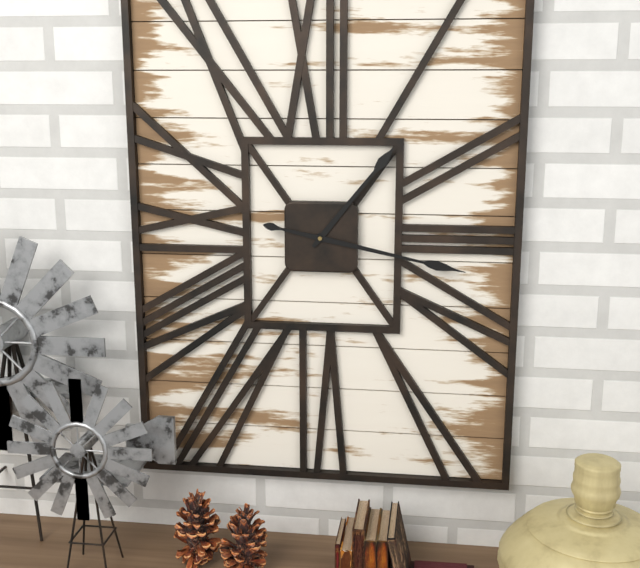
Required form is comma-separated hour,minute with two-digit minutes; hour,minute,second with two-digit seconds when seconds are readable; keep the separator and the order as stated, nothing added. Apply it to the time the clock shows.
1,17
